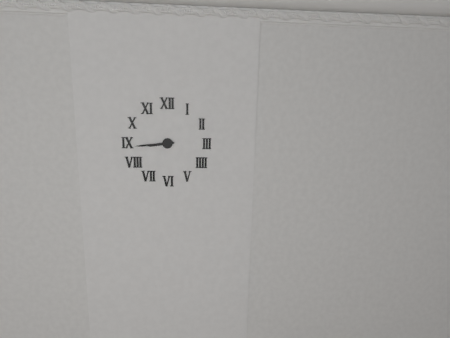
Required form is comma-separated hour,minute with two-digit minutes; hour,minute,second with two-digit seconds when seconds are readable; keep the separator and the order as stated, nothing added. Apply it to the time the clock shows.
8,44
